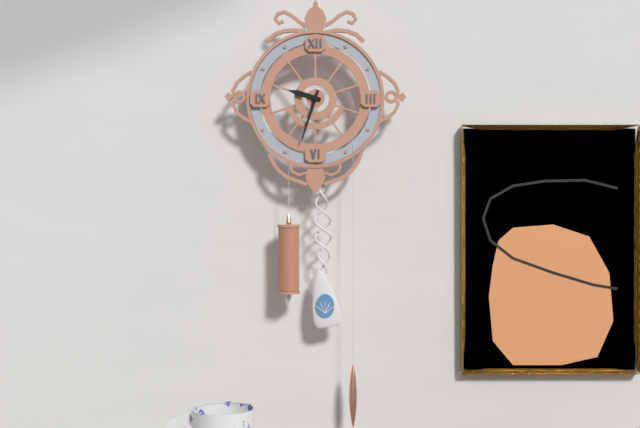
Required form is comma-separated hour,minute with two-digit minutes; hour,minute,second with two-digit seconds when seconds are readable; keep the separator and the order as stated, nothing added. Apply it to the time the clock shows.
9,33
